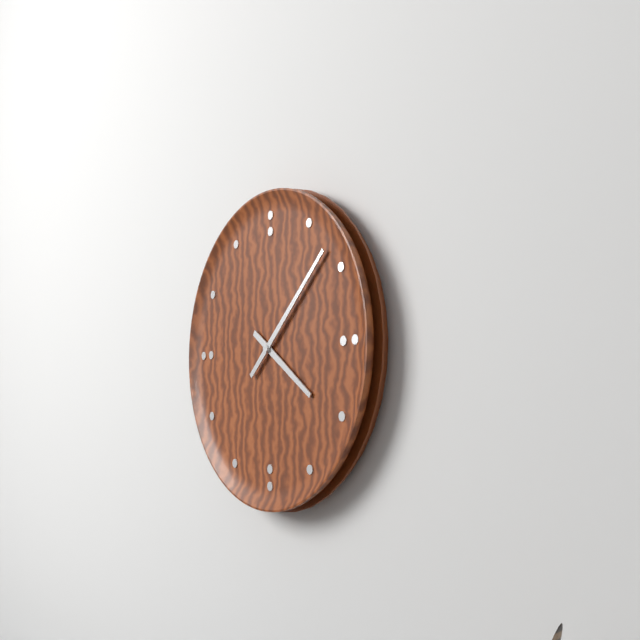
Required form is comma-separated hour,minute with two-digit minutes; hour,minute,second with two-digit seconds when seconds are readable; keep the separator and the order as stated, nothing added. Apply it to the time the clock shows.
4,08
